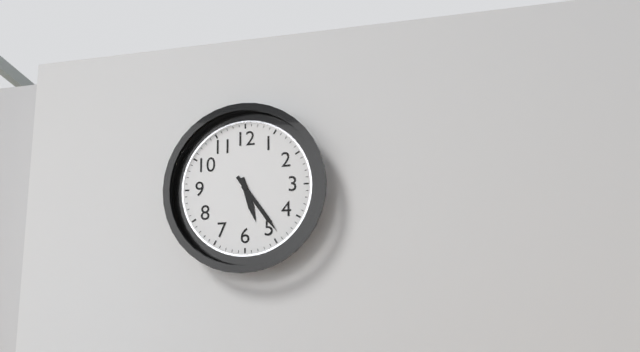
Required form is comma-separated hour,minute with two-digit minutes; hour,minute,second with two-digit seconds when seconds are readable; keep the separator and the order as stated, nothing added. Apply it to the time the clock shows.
5,24
